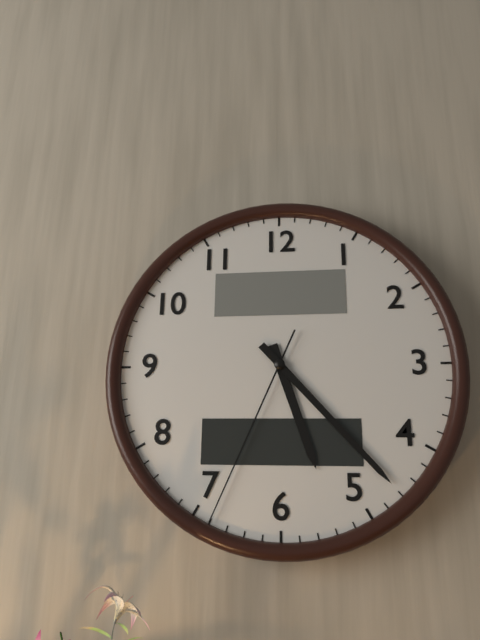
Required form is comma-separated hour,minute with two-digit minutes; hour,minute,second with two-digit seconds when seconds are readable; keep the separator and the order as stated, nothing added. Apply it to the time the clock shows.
5,23,34
